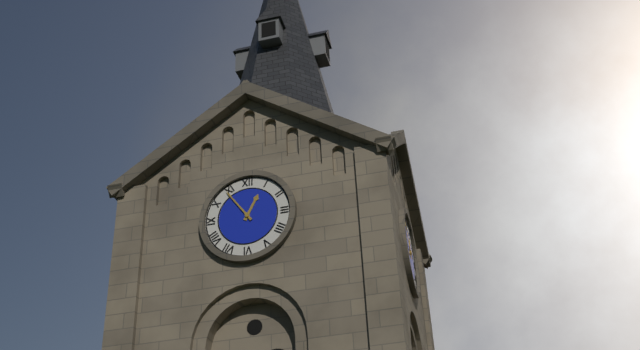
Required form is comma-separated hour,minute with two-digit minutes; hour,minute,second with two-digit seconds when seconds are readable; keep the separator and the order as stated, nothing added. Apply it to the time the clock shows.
12,54
